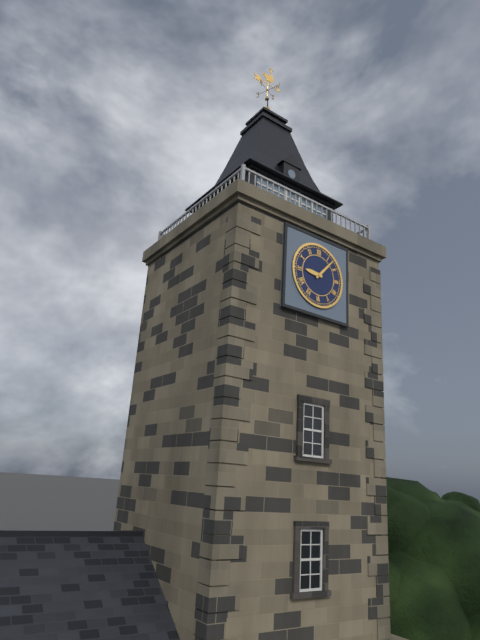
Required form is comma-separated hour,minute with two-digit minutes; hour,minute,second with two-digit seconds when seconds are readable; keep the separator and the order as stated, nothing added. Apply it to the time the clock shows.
9,07
